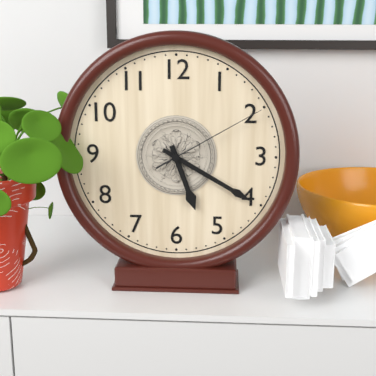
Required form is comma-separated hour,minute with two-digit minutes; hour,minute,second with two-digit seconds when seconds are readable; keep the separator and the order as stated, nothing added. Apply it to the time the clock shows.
5,20,10
